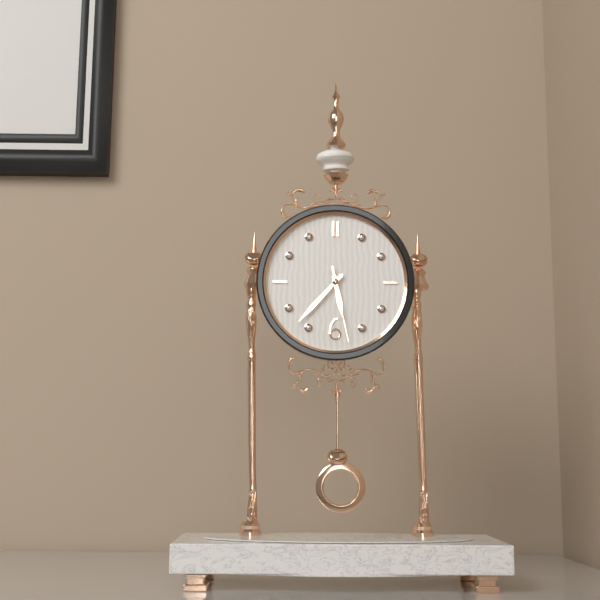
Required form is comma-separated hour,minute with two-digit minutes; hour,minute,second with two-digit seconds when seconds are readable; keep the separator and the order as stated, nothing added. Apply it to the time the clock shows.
5,37,28
